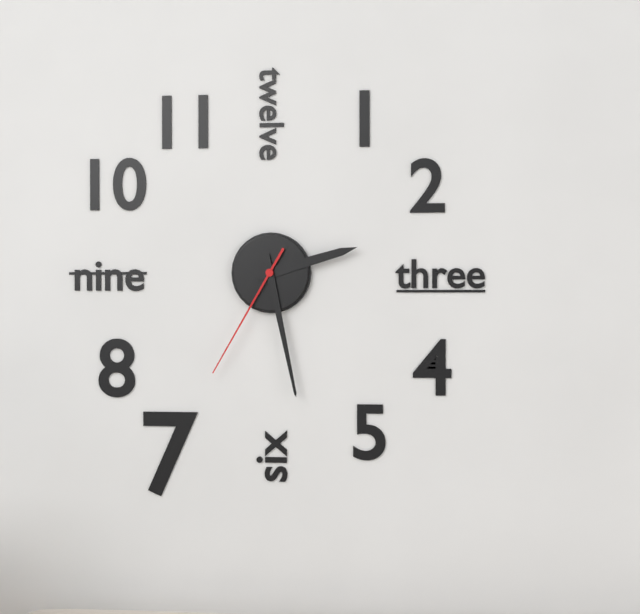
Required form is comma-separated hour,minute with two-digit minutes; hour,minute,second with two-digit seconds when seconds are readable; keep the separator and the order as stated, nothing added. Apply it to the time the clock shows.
2,28,35
